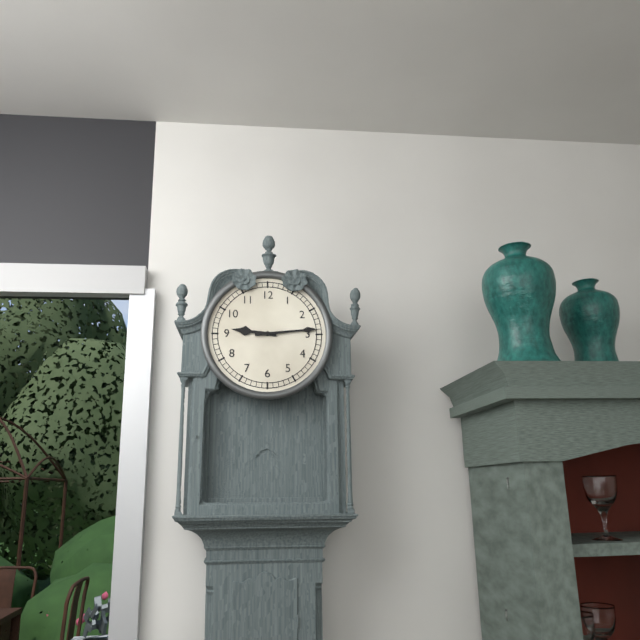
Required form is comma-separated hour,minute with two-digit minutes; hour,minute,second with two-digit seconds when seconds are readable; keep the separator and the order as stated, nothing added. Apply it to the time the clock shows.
9,14
